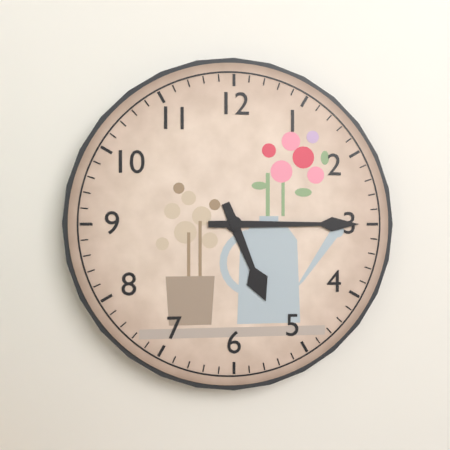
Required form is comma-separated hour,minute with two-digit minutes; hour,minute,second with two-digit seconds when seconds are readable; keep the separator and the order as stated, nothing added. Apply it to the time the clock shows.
5,15
